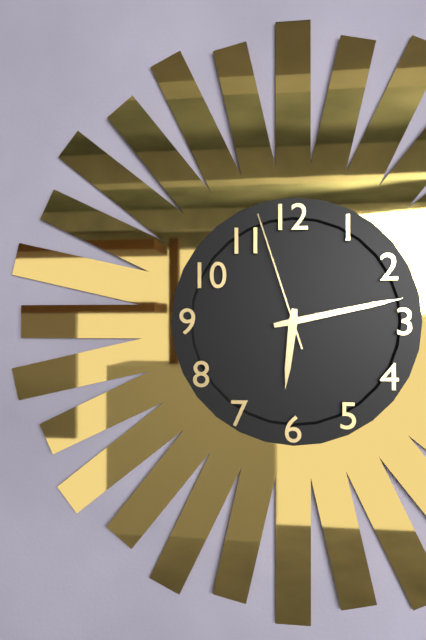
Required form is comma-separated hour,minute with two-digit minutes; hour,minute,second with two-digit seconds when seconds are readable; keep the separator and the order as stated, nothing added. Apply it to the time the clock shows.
6,13,57
